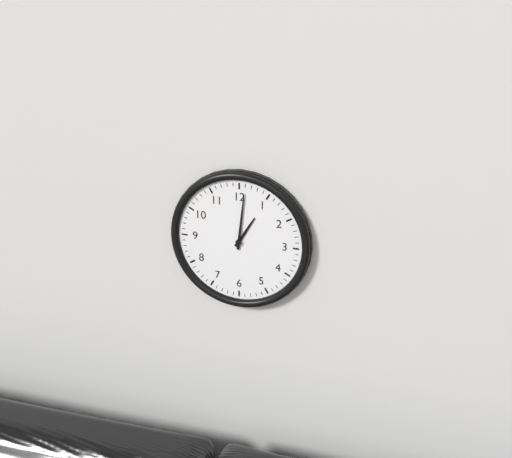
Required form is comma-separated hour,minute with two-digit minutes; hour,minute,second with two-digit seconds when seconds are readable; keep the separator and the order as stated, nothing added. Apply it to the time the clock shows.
1,01
